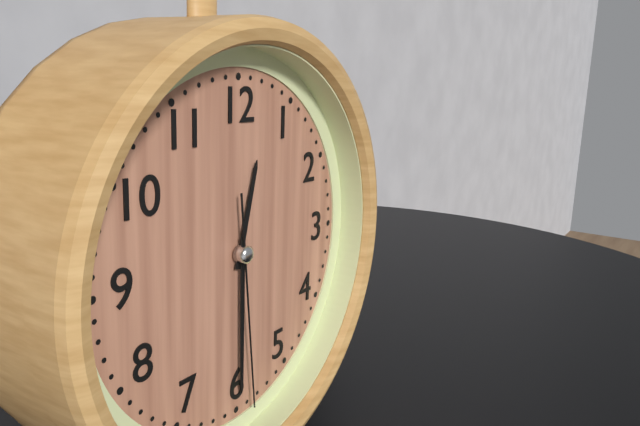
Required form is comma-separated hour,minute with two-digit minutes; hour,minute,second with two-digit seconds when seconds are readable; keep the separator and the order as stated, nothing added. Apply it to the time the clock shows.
12,30,29
